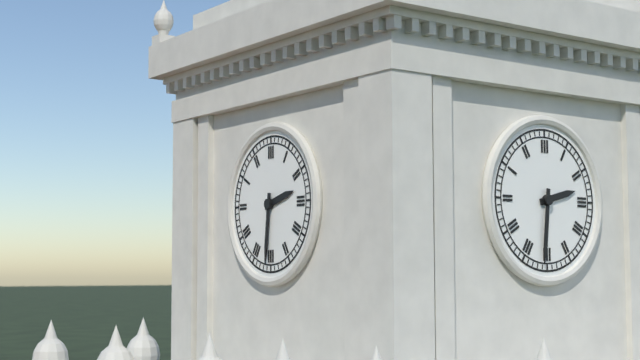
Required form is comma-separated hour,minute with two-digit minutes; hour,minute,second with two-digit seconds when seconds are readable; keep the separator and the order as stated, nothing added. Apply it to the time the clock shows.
2,31
